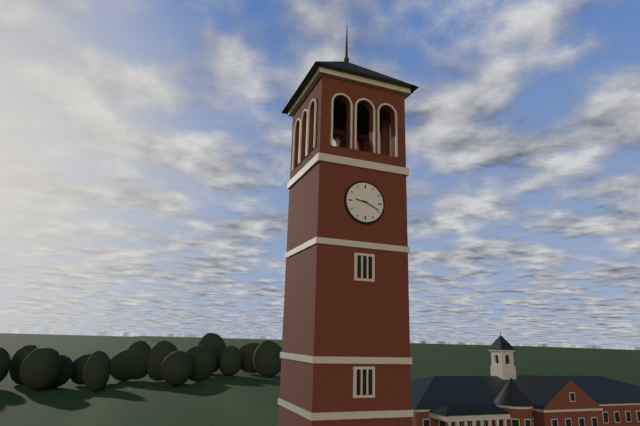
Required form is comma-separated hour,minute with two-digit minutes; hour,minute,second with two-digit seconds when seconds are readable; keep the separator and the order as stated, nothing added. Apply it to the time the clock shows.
9,19
